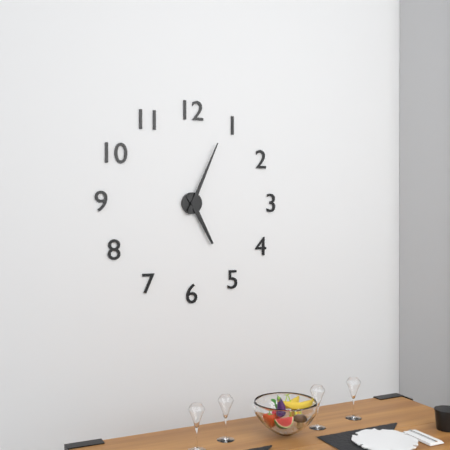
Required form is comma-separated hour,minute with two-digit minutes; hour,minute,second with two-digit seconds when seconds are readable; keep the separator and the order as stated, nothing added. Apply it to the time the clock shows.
5,04
